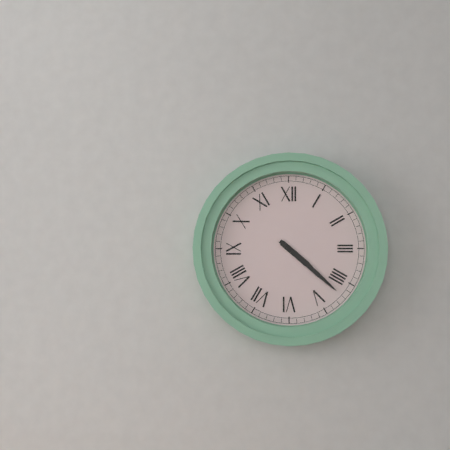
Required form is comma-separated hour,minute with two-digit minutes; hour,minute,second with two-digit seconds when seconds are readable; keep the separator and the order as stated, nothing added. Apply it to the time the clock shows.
4,22
